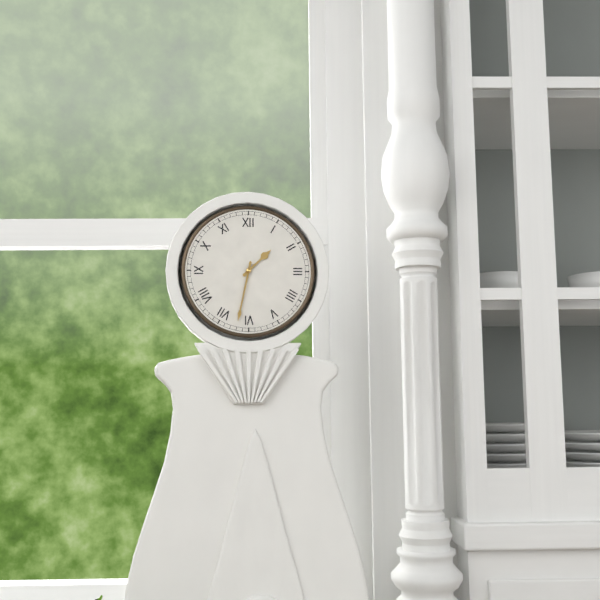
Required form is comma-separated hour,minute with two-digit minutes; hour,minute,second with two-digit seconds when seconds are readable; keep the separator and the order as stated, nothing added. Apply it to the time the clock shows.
1,32
